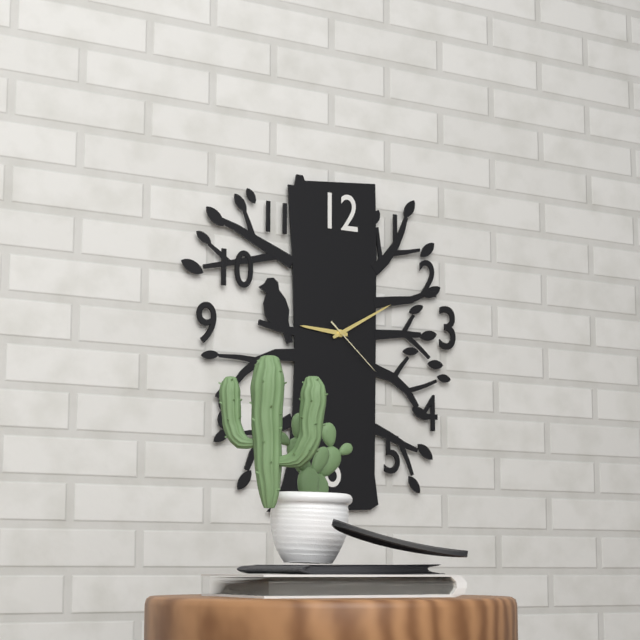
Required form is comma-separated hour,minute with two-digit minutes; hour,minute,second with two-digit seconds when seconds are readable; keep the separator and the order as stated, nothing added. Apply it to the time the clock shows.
9,10,22
